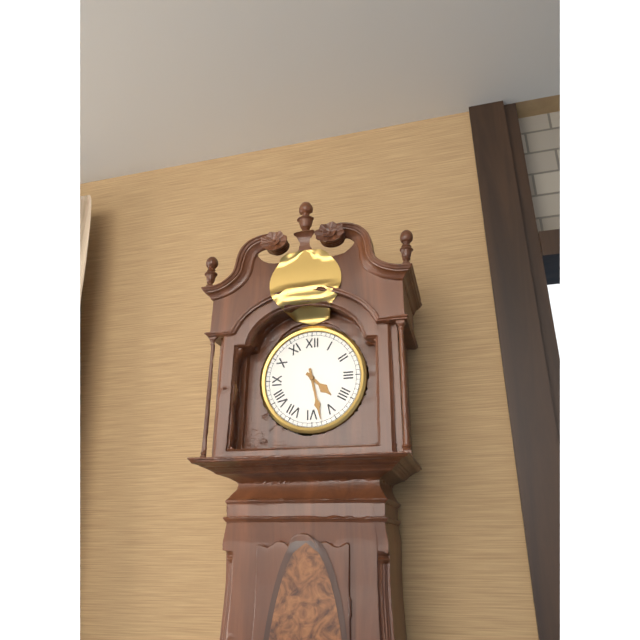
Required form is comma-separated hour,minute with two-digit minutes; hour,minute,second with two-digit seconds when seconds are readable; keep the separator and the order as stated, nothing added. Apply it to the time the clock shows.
4,28
